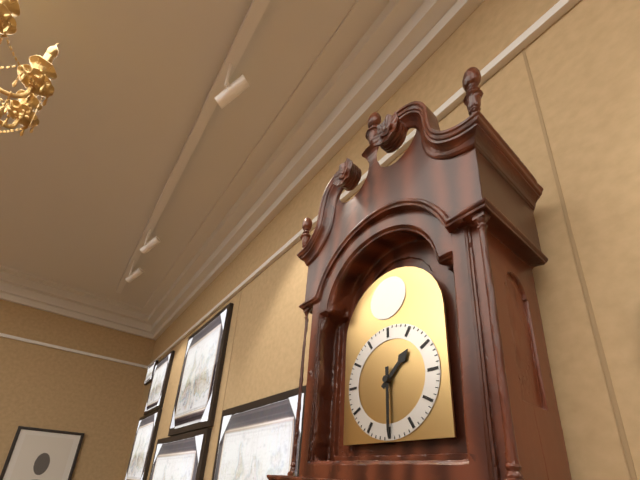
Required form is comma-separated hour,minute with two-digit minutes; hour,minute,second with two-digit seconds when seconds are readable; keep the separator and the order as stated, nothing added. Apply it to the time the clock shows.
1,30
